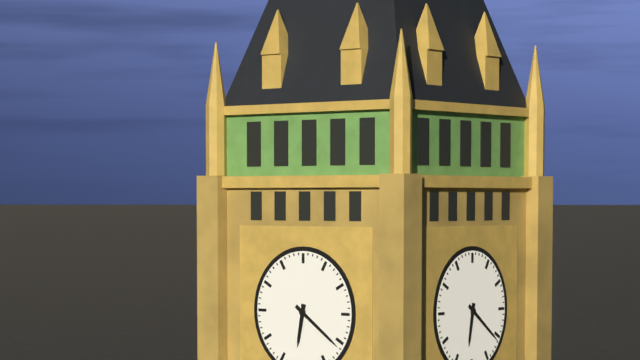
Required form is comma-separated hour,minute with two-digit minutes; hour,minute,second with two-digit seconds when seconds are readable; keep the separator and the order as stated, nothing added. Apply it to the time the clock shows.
6,21
